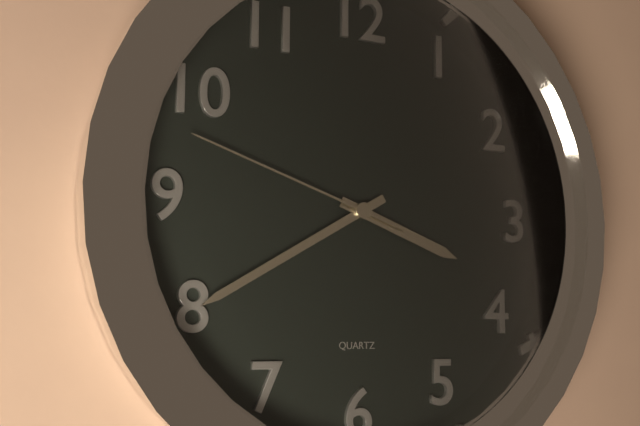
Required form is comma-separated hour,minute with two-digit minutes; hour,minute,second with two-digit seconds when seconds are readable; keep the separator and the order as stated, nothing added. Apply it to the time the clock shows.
3,40,48
